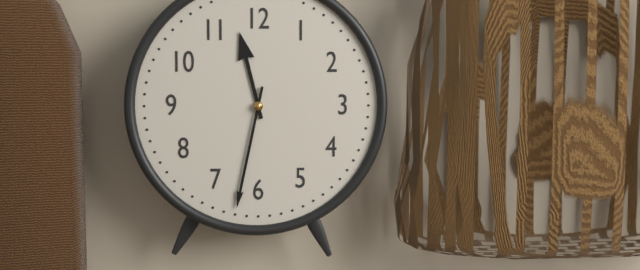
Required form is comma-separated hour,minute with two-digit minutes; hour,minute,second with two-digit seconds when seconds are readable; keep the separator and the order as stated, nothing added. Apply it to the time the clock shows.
11,32
